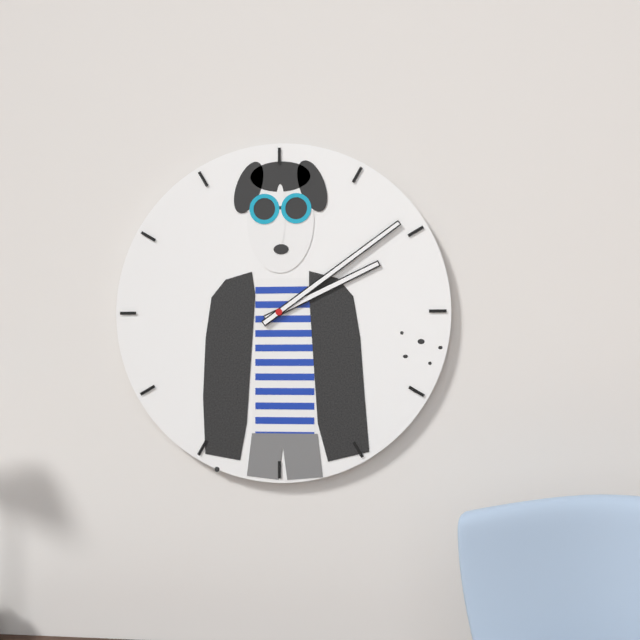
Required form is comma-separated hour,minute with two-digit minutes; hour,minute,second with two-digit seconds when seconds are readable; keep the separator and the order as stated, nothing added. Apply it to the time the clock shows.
2,09
